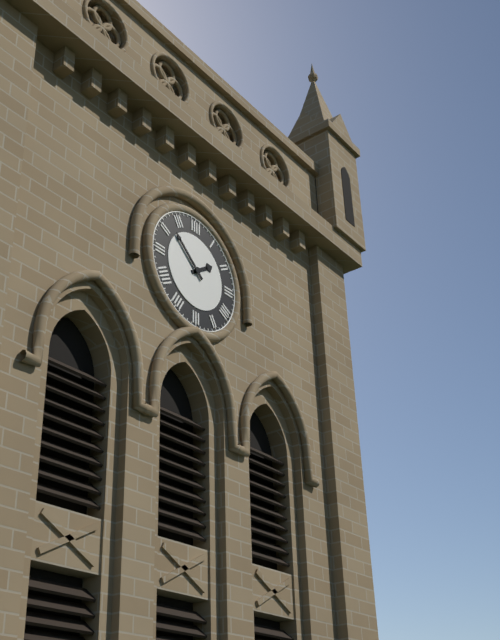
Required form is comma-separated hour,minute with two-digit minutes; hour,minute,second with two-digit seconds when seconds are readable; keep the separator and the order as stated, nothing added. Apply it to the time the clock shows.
1,52
